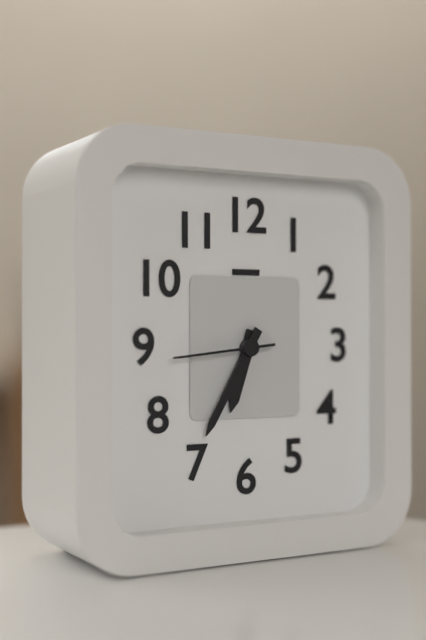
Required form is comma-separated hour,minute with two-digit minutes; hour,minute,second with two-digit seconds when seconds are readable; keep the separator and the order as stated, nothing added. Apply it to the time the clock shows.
6,35,44
